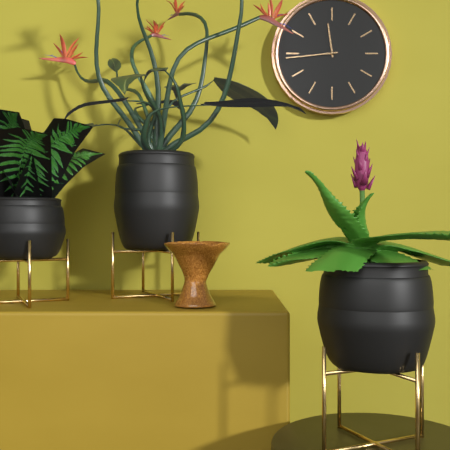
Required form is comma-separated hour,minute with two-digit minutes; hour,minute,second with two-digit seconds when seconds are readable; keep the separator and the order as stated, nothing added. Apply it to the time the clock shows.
11,44
